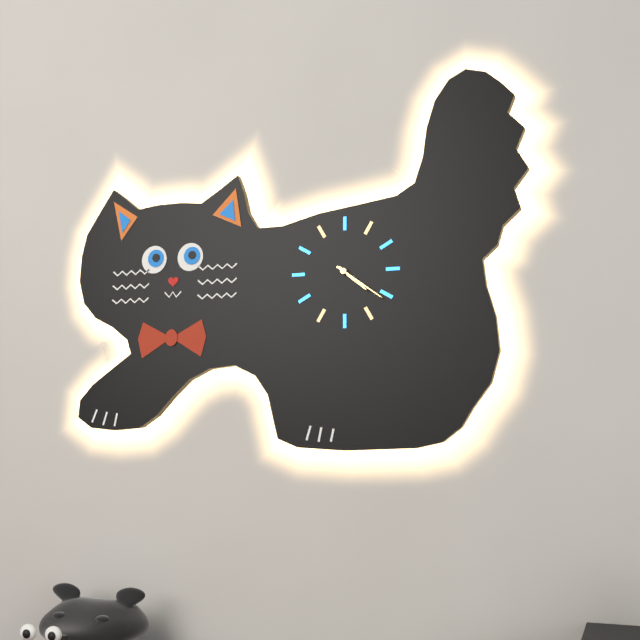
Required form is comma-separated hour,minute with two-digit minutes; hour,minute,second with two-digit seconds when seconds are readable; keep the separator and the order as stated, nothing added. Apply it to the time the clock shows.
4,21
